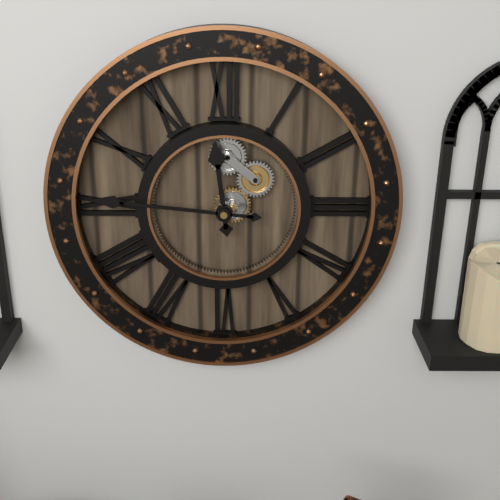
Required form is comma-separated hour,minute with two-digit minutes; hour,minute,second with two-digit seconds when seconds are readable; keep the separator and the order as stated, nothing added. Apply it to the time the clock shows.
11,46
